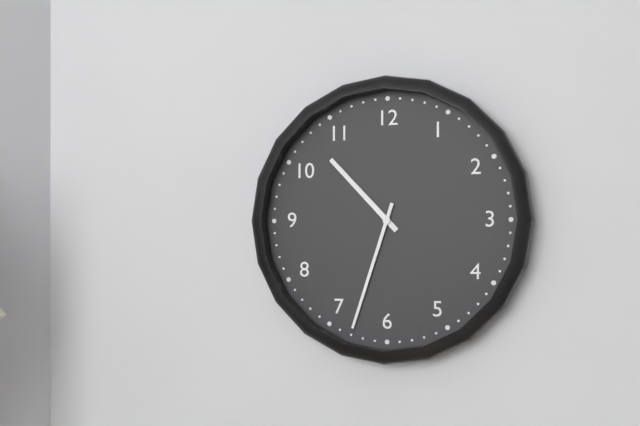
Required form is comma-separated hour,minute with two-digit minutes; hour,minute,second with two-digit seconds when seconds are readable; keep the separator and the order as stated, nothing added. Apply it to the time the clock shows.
10,33
